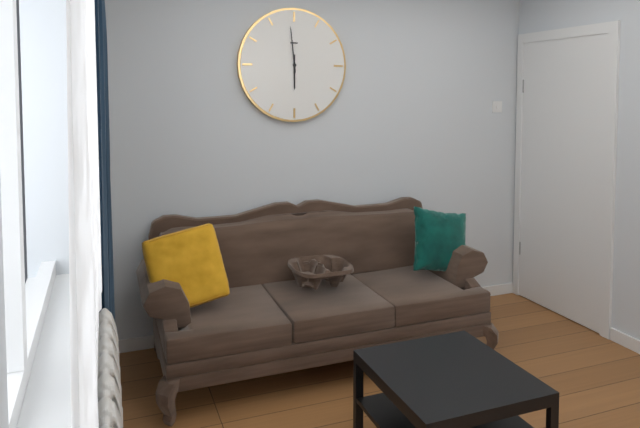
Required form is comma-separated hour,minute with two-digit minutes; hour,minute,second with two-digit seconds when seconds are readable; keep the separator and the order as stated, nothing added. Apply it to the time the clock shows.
5,59
